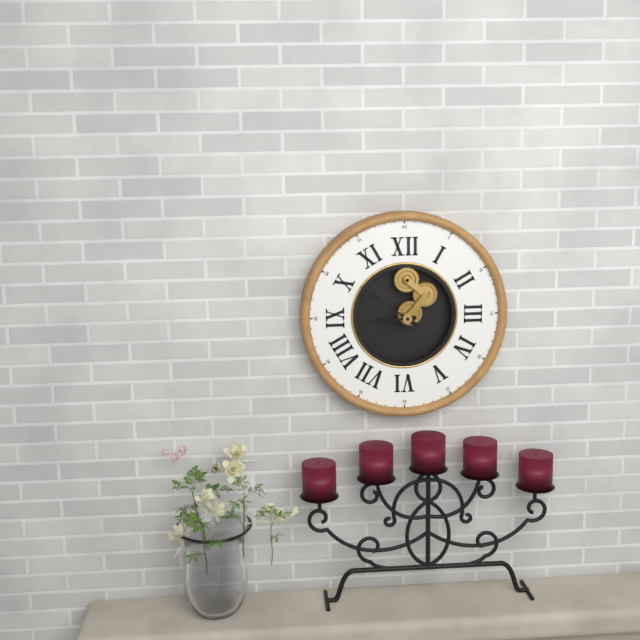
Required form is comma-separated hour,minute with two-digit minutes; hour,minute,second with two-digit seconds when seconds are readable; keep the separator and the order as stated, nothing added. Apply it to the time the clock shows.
8,51
